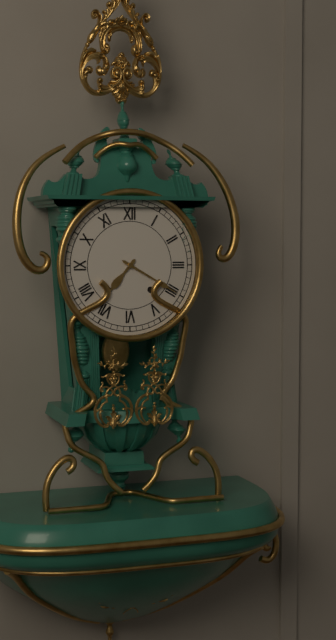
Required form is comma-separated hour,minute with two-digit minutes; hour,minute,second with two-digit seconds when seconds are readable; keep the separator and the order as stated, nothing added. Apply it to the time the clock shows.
7,20
